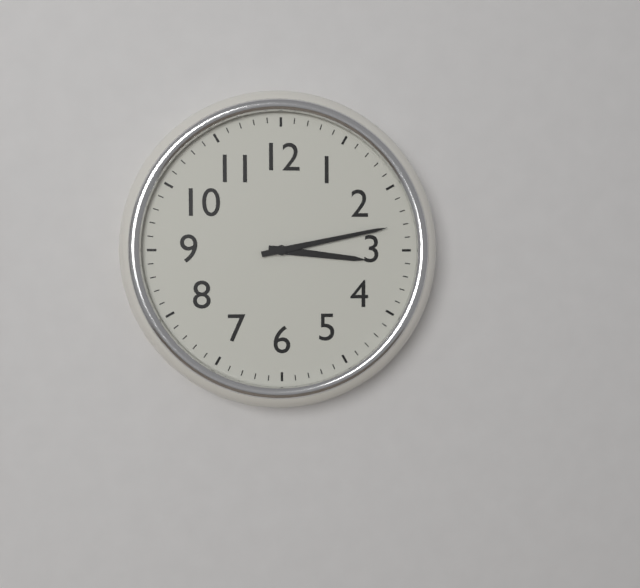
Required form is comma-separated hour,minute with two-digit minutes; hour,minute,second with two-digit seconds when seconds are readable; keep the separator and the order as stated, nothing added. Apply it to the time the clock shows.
3,13
